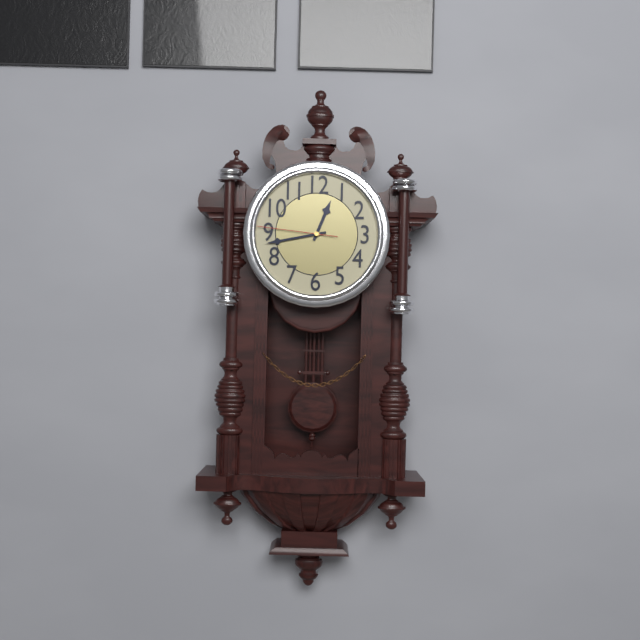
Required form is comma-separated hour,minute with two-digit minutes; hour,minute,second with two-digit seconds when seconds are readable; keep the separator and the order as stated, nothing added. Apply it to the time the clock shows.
12,43,46
